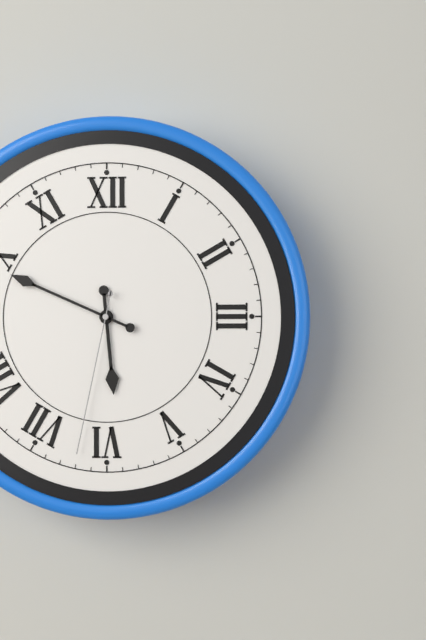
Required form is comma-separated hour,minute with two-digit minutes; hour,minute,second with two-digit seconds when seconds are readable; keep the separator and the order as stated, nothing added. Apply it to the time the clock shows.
5,49,32
